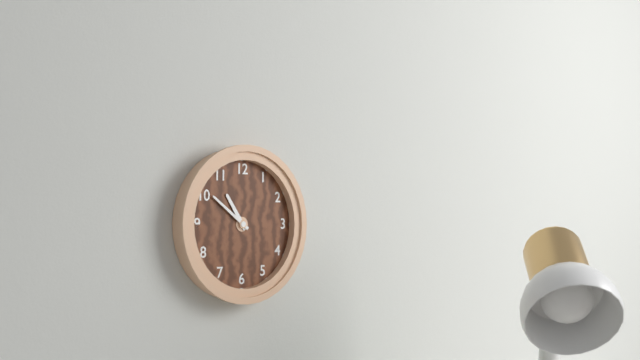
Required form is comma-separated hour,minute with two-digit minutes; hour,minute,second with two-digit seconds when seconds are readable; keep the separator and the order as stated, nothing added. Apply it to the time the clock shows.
10,51
